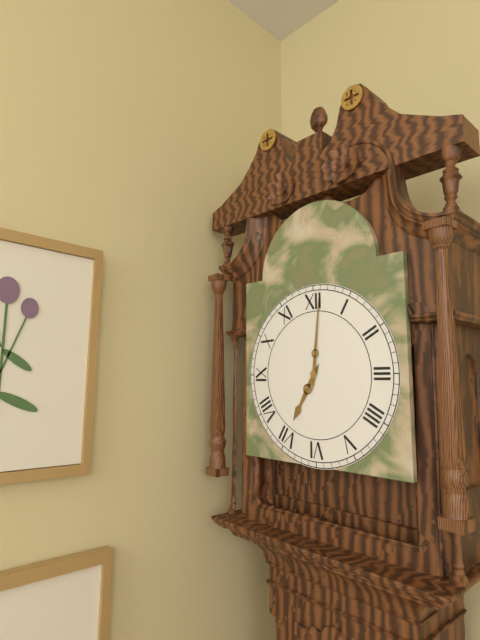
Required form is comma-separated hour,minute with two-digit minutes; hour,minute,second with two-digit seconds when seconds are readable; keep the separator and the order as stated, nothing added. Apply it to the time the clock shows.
7,01
